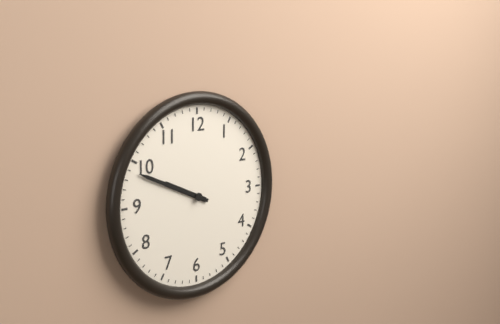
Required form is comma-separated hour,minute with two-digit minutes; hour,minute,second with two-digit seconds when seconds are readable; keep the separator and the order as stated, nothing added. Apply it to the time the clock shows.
9,49
